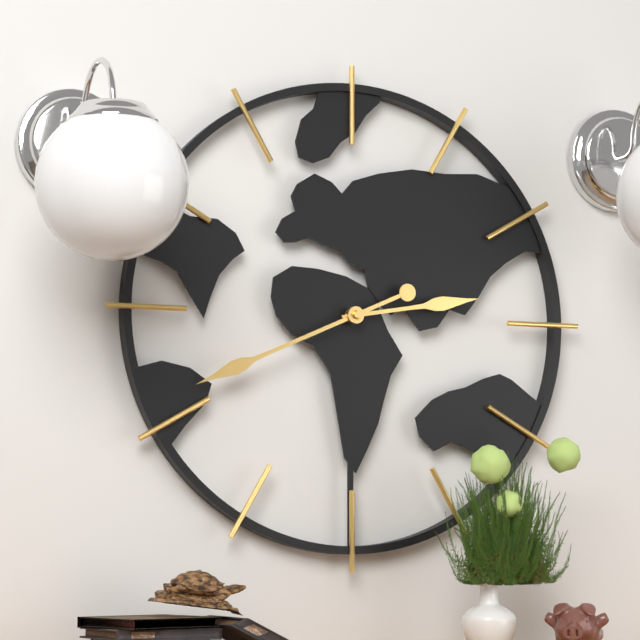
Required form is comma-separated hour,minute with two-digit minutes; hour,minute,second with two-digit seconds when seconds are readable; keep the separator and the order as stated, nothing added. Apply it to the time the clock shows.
2,41
